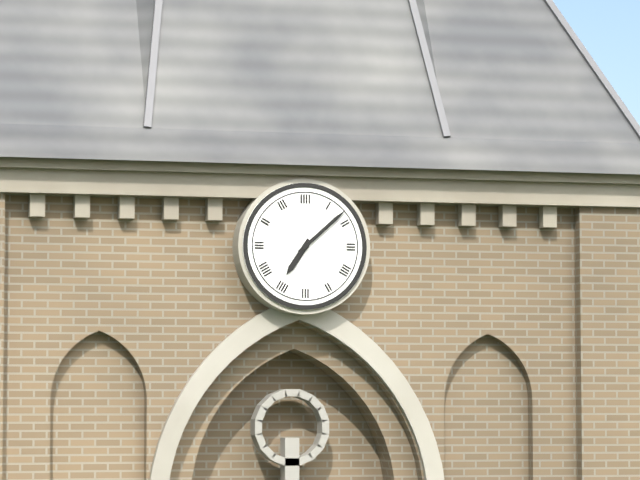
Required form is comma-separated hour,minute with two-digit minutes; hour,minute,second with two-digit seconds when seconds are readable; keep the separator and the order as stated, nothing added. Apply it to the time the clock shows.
7,08
